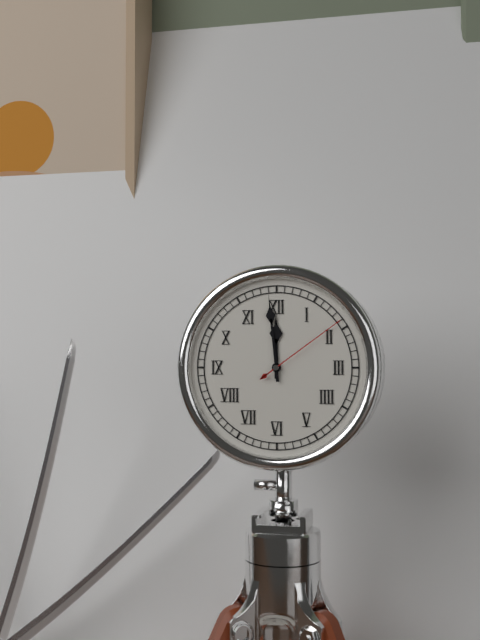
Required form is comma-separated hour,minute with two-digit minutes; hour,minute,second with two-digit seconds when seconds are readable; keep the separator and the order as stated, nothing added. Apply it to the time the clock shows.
11,59,09
